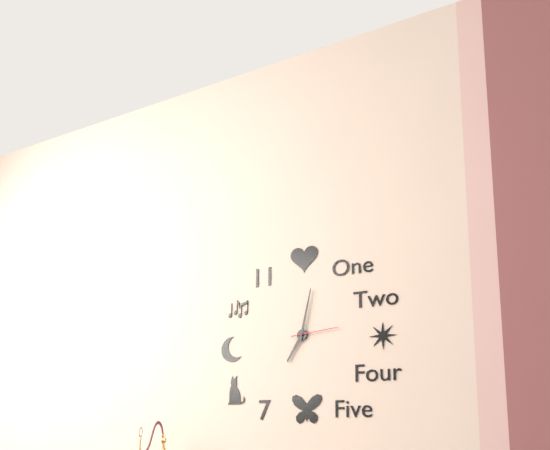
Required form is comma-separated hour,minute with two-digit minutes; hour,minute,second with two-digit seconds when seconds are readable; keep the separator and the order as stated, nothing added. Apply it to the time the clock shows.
7,02
